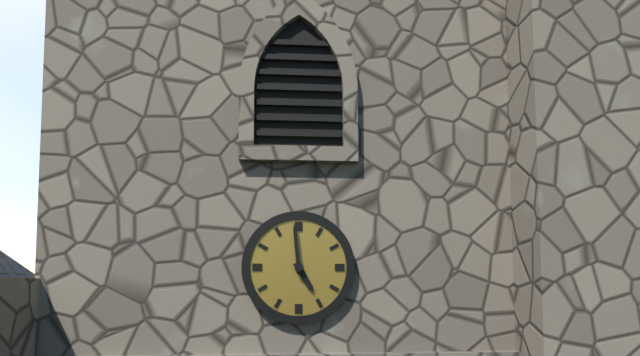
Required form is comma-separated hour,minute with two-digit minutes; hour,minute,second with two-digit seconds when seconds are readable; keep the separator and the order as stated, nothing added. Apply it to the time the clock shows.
4,59
